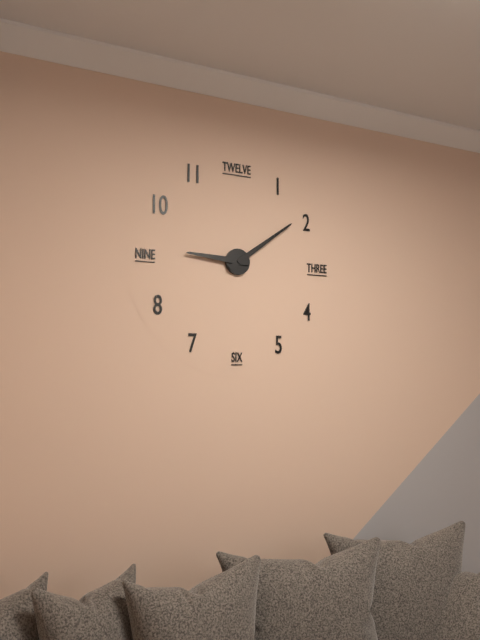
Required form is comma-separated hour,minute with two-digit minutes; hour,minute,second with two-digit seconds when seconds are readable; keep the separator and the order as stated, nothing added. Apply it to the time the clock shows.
9,09
